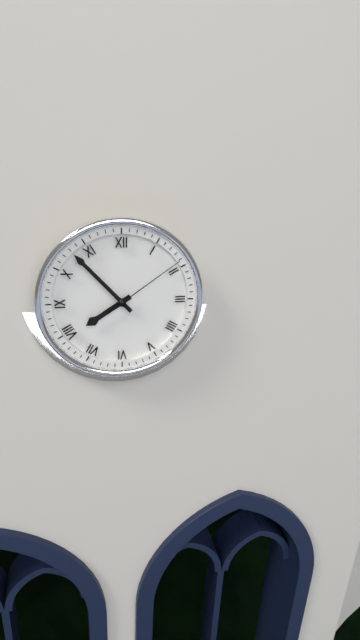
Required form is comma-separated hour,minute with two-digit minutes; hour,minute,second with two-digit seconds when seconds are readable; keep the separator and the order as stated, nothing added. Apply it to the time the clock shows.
7,53,09
